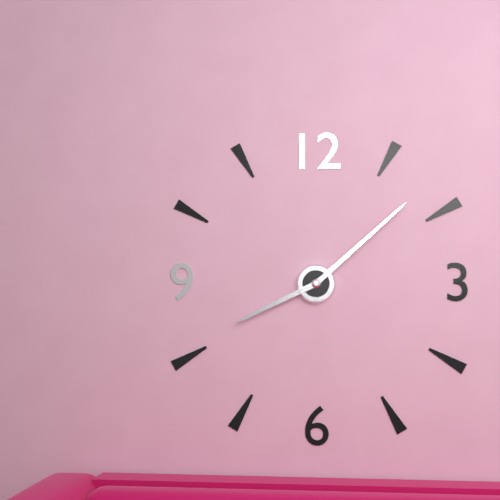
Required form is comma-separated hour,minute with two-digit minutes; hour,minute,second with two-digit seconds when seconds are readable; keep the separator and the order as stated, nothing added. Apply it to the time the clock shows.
8,08
